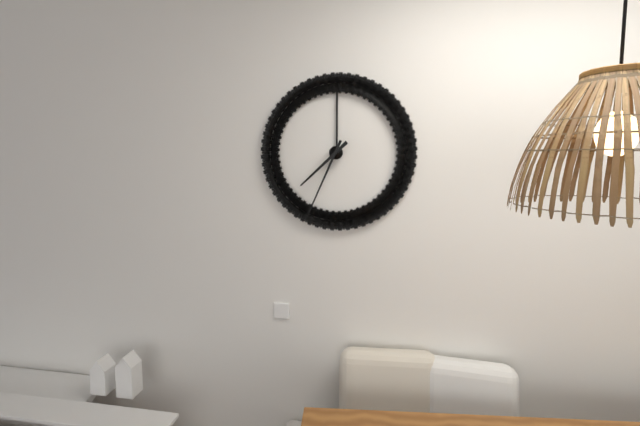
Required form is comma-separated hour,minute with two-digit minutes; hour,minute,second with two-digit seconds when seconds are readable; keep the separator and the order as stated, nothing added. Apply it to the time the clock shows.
7,34
